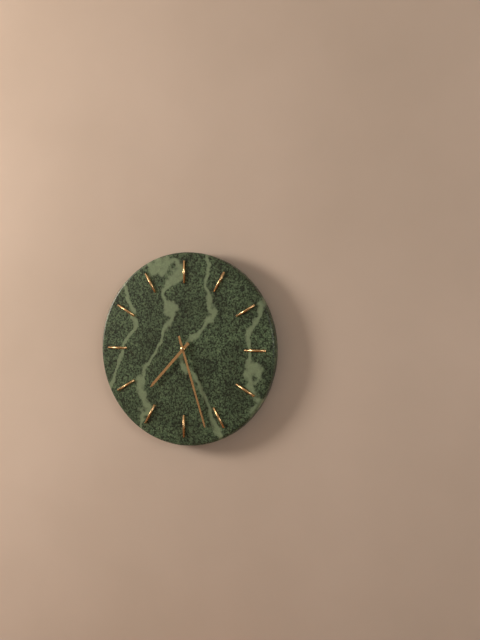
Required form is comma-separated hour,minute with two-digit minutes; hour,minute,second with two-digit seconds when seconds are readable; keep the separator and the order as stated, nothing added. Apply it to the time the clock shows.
7,27
